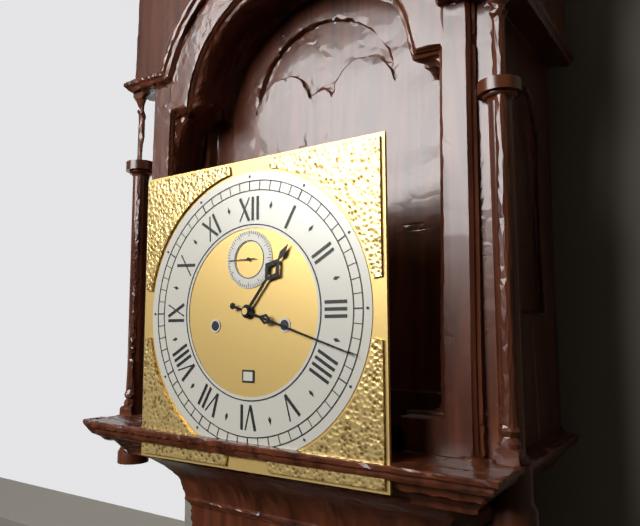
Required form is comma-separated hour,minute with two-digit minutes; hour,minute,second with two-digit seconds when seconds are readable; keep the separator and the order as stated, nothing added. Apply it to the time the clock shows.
1,18
